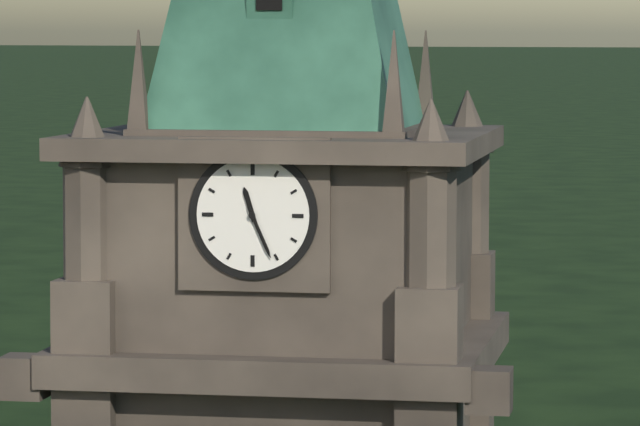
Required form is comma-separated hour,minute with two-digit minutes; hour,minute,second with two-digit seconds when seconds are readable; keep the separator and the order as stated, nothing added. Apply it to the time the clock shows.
11,26
